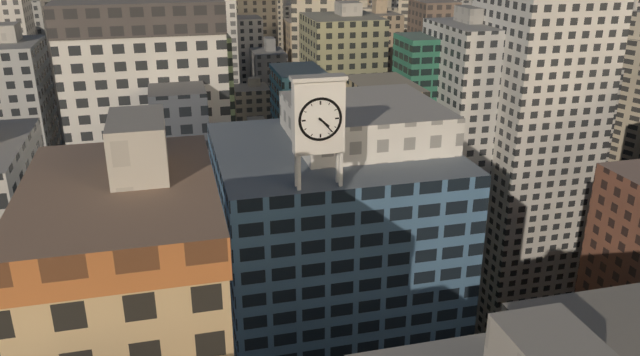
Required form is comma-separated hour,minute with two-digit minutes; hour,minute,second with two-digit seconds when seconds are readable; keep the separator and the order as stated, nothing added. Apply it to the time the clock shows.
4,23
